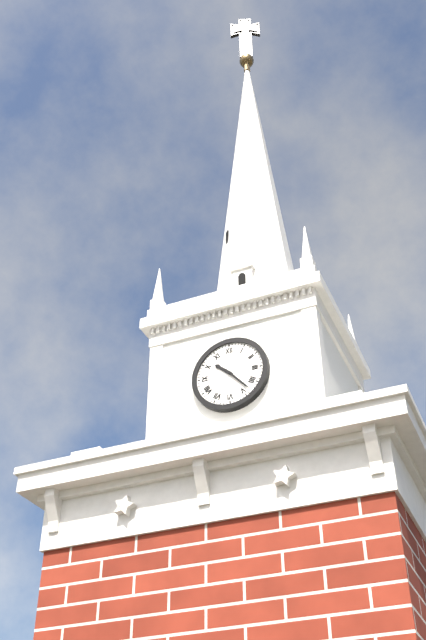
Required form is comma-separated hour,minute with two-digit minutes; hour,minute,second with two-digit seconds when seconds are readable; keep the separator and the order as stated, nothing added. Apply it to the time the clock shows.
10,23
